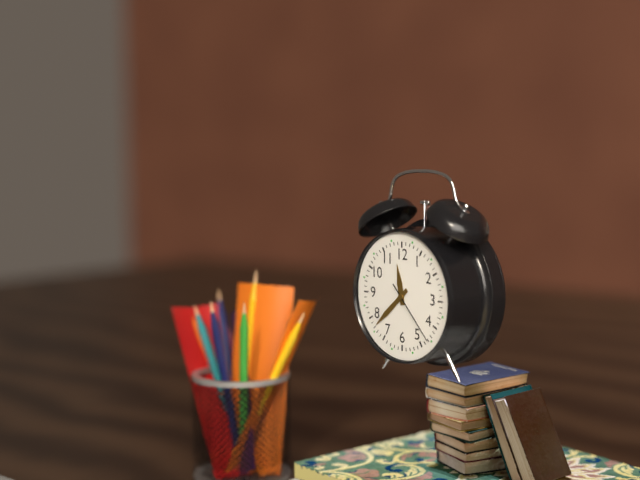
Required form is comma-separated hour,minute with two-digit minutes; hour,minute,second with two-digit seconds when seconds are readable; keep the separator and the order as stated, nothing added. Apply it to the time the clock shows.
11,38,23
